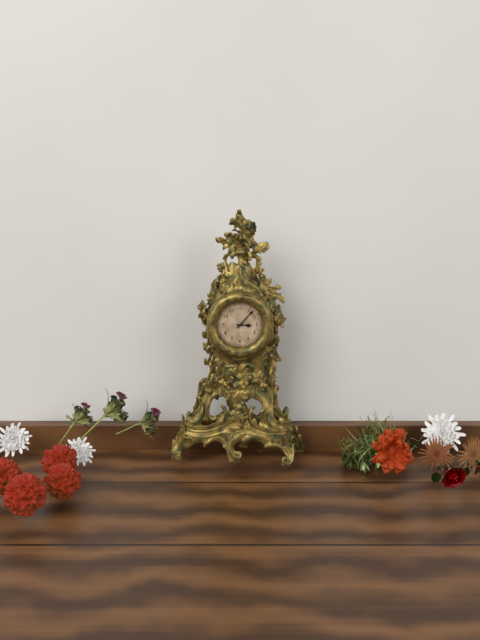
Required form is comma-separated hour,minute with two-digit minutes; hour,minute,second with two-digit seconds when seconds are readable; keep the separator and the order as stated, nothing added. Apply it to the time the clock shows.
3,07
